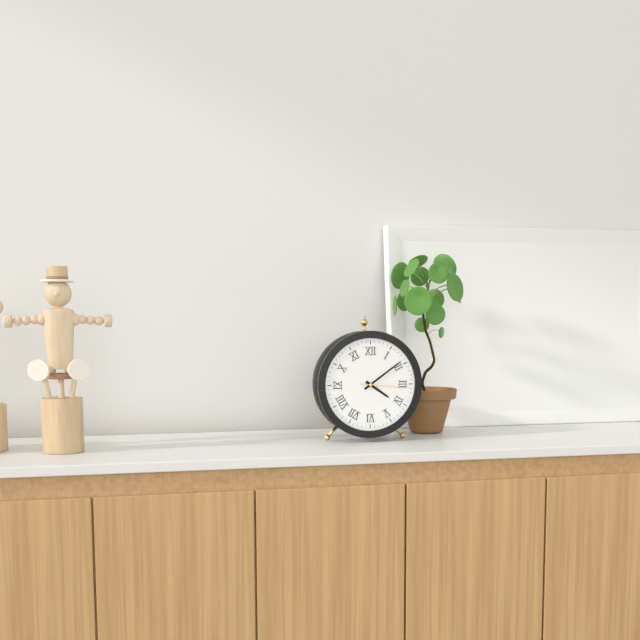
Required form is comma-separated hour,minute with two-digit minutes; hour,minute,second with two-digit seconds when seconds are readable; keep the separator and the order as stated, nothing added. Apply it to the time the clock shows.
4,09,16
